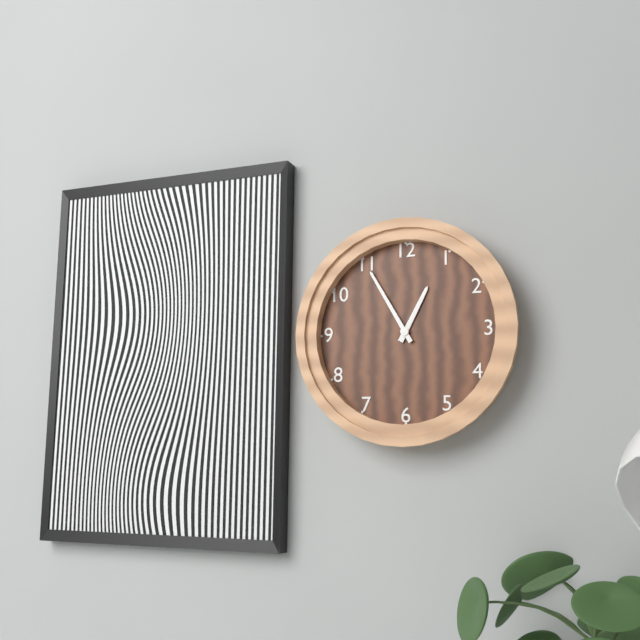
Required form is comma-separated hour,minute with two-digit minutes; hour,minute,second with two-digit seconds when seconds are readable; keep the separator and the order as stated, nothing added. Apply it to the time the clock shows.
12,55
